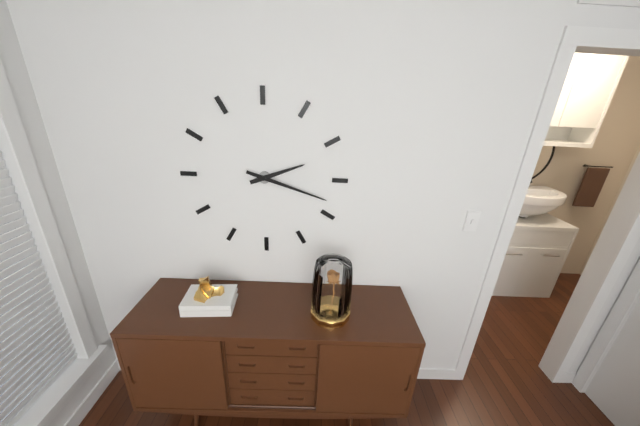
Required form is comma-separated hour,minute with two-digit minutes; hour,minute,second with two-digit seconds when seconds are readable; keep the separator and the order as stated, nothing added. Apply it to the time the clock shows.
2,18
